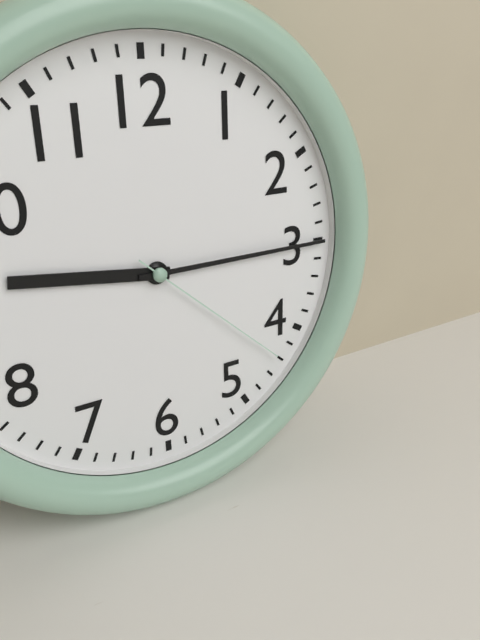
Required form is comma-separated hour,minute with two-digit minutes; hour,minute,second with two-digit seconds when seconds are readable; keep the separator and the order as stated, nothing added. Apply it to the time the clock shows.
9,15,22
